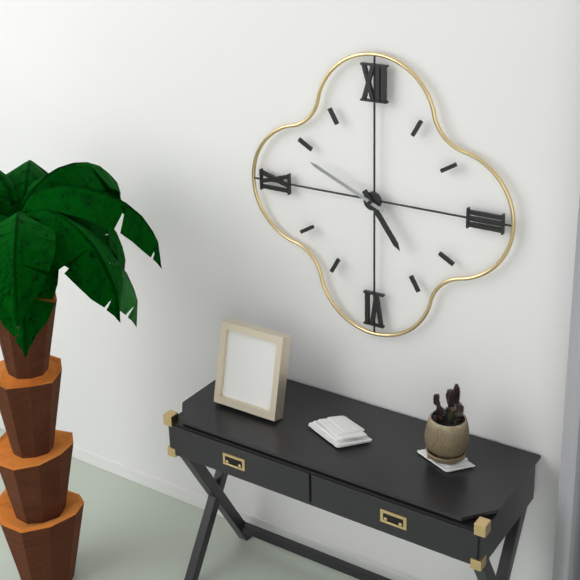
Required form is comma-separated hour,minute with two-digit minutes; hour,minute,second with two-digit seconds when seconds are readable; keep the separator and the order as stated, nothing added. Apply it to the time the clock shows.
4,49
